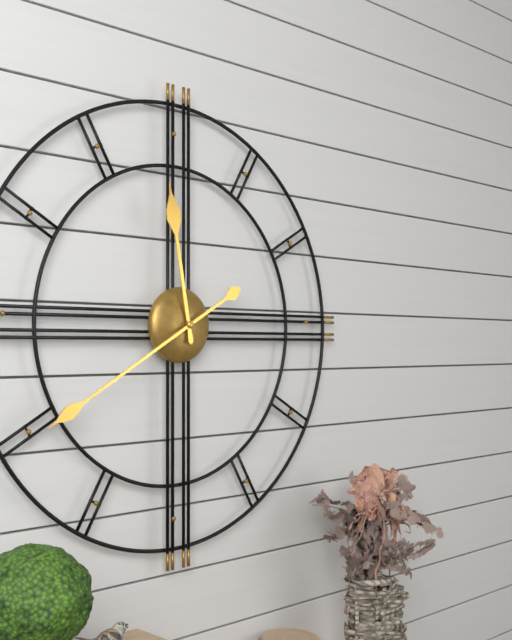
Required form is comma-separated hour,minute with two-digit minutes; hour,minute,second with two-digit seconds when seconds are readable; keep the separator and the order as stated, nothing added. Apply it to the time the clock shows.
11,40
